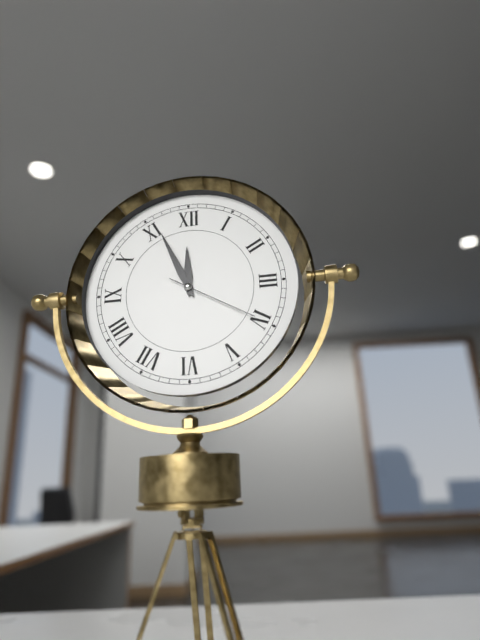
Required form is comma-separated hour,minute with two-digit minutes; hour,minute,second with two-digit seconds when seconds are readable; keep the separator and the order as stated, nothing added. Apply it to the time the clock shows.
11,56,20
